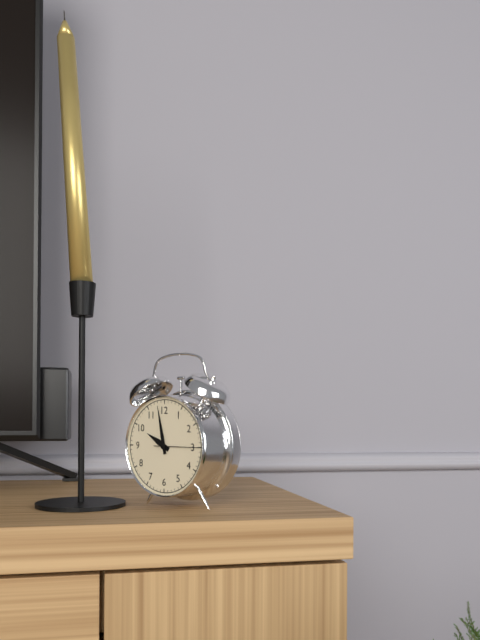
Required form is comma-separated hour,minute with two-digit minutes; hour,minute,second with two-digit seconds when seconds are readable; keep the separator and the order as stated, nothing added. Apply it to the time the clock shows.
9,58
